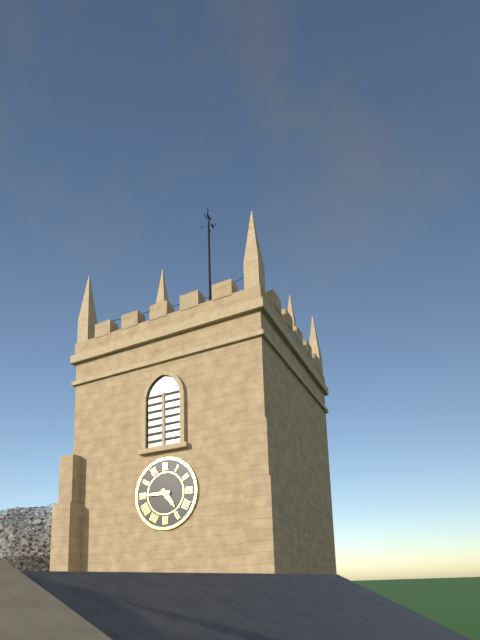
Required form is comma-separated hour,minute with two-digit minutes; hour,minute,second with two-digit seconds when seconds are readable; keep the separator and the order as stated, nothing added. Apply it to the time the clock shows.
4,45
